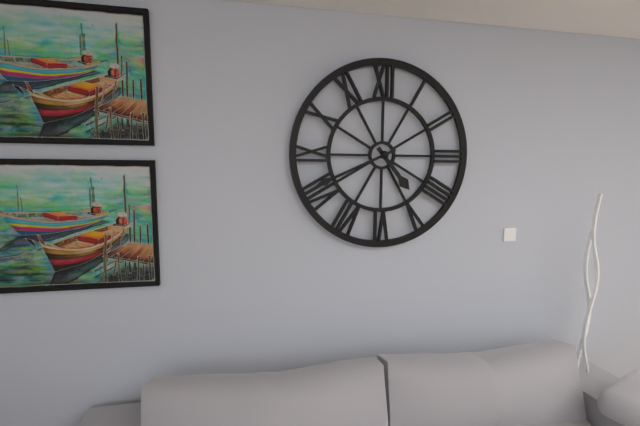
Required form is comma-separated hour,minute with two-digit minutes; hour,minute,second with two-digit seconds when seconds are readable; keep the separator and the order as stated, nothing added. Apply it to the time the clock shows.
4,41
